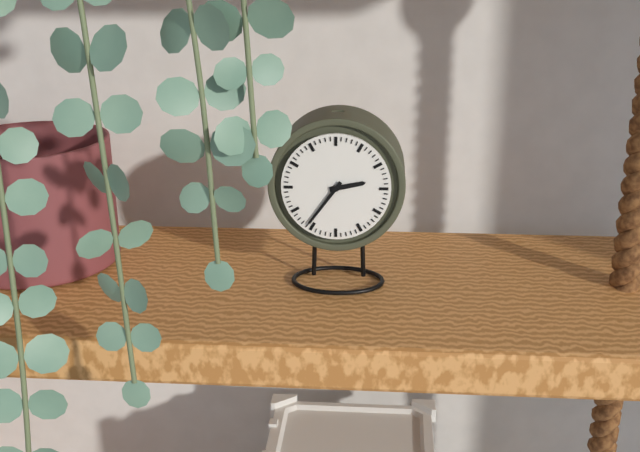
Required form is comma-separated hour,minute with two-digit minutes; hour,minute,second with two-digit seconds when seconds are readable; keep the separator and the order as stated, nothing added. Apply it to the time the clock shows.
2,36
